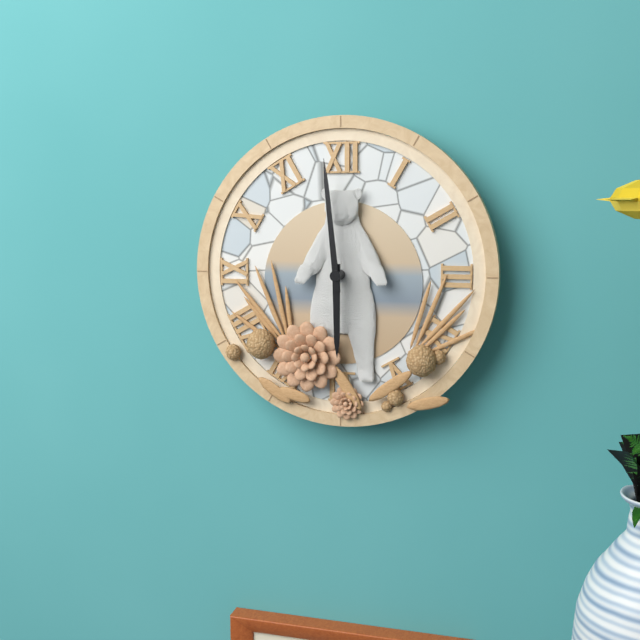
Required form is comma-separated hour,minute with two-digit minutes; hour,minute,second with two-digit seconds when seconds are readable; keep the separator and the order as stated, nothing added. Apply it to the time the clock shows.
5,59
